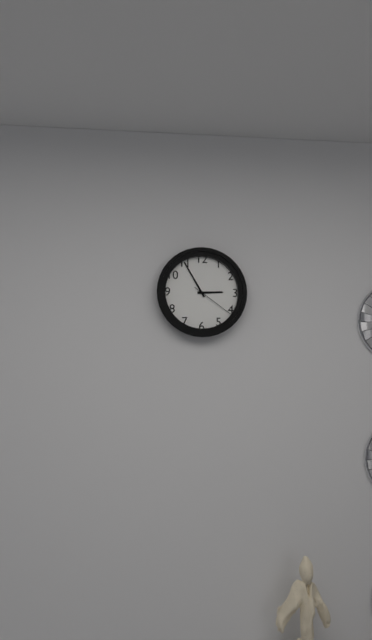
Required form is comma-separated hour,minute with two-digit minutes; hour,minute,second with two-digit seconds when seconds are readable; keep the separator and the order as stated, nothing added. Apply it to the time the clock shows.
2,55
